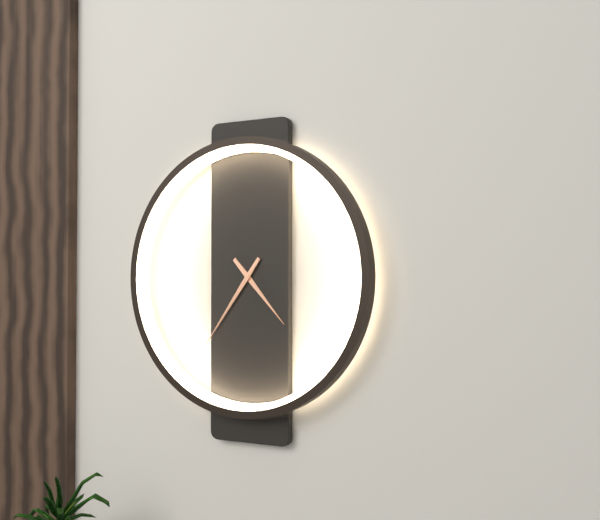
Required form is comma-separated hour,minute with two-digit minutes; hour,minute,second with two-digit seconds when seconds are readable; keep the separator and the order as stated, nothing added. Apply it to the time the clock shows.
4,36
